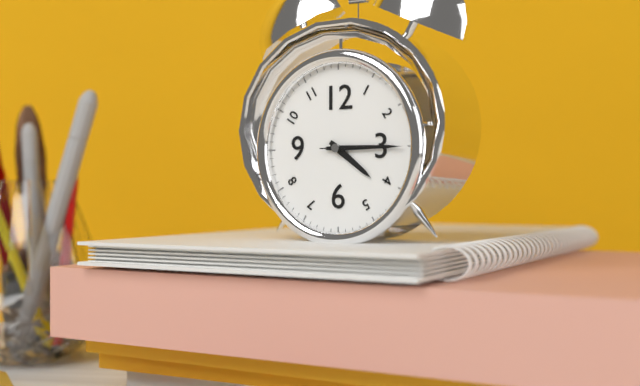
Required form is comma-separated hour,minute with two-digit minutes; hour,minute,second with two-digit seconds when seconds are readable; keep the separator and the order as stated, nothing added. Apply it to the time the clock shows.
4,15,15
